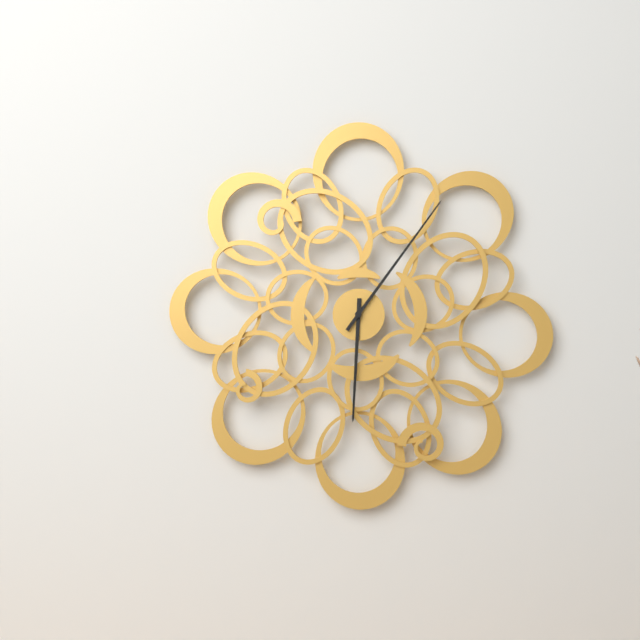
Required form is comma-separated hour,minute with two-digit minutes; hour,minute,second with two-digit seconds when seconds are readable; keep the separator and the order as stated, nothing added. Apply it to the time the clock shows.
6,06
